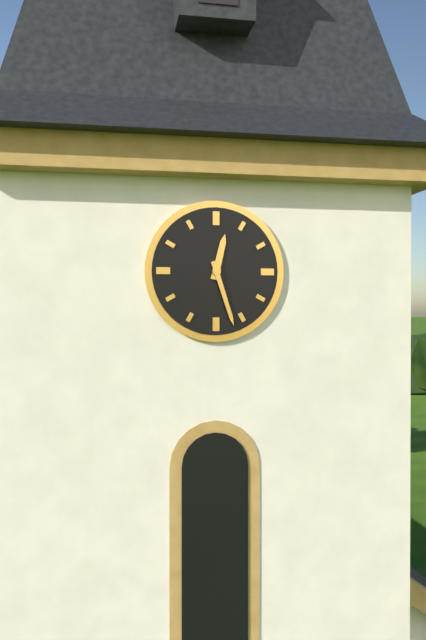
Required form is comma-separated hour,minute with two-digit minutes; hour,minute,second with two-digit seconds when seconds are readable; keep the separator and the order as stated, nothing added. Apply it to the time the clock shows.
12,27
